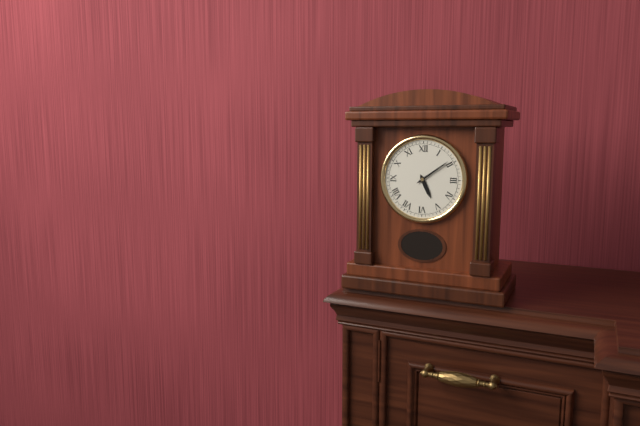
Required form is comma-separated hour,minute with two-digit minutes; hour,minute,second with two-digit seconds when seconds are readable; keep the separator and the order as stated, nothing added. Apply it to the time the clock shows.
5,09
